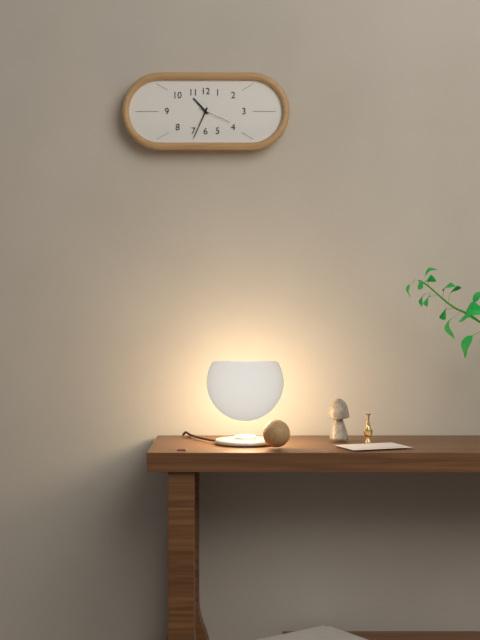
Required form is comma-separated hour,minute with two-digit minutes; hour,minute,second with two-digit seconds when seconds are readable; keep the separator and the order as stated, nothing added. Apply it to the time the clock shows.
10,34
